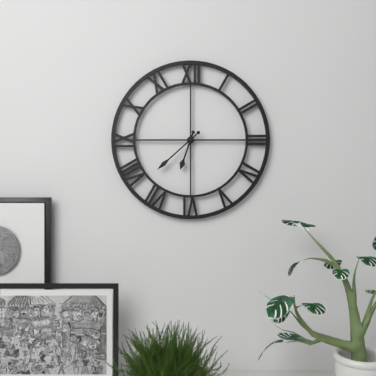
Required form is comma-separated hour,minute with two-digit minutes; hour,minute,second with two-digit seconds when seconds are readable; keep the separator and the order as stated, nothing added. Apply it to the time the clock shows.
6,38
